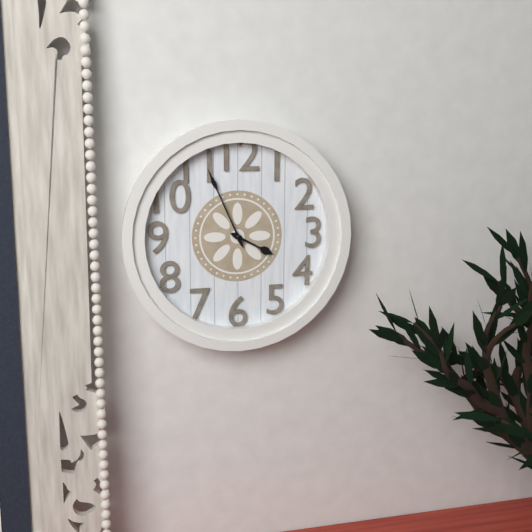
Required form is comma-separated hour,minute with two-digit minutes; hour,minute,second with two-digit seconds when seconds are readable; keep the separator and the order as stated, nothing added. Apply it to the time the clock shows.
3,56
